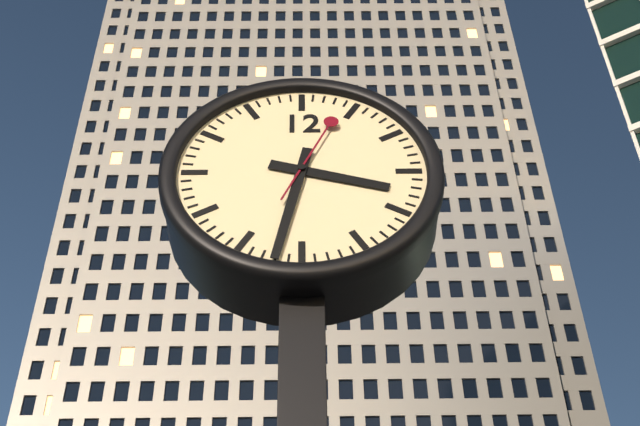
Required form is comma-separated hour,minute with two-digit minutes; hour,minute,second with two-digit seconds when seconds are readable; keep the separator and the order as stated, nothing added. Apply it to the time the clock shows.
3,32,04
